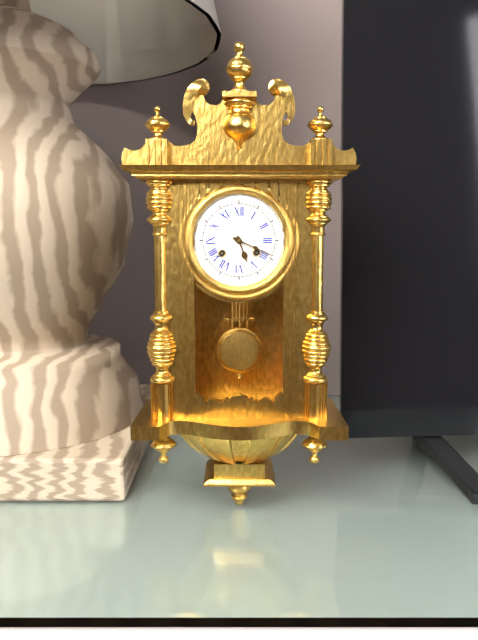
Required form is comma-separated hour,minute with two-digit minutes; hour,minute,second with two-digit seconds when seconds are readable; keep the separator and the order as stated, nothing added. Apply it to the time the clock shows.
5,19
